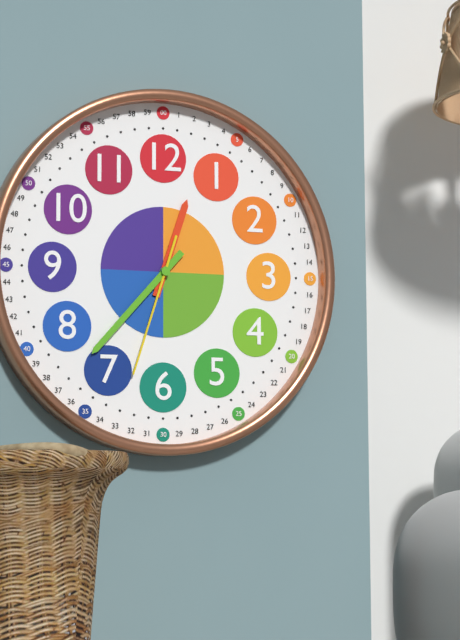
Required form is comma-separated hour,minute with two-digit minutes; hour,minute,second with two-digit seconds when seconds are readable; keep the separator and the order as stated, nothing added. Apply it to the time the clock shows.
12,37,33
